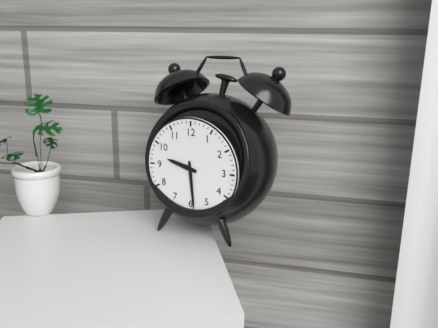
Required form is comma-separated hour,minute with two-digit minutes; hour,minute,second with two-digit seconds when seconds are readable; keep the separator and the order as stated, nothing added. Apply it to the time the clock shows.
9,29
